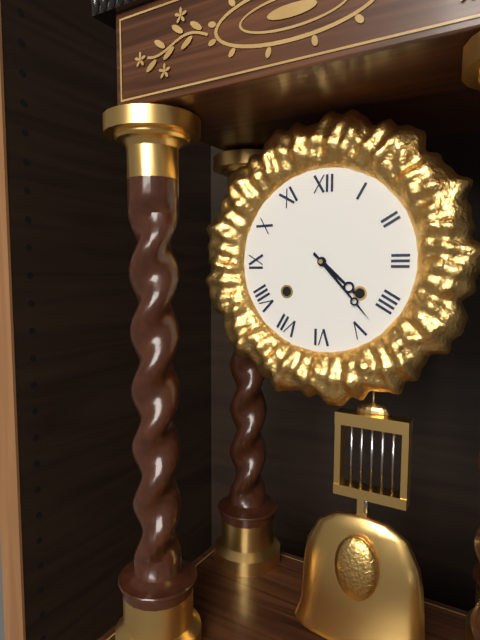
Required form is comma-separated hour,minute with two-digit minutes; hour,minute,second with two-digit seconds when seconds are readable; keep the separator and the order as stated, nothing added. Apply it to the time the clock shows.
4,23
